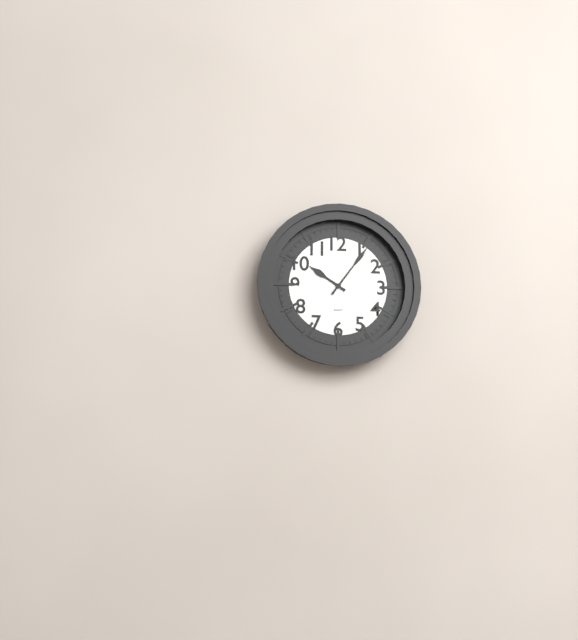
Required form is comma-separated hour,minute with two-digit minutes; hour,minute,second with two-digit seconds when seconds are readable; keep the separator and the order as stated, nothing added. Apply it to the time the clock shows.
10,06
